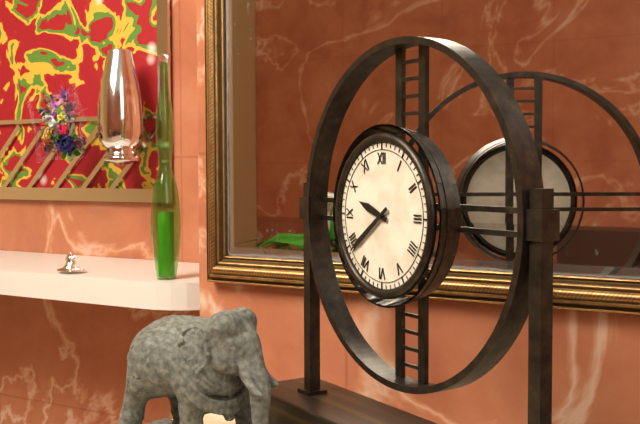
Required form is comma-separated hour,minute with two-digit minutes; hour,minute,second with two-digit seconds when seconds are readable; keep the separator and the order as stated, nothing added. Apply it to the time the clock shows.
9,39
